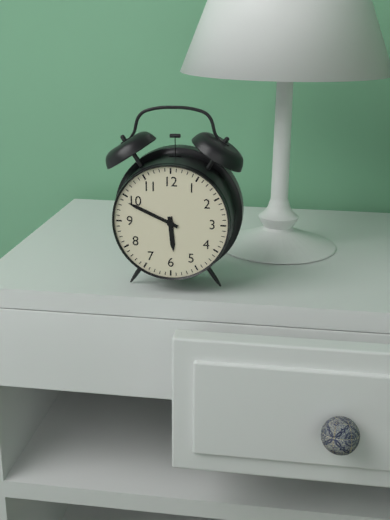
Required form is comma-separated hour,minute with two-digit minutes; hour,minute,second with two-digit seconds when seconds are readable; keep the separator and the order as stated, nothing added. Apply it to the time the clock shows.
5,49
